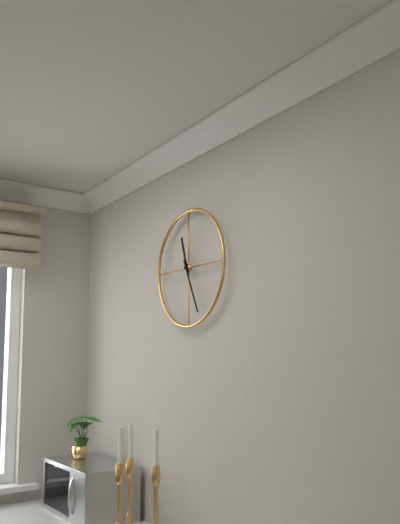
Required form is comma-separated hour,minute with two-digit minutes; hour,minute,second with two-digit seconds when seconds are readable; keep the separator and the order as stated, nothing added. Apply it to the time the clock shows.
11,26
